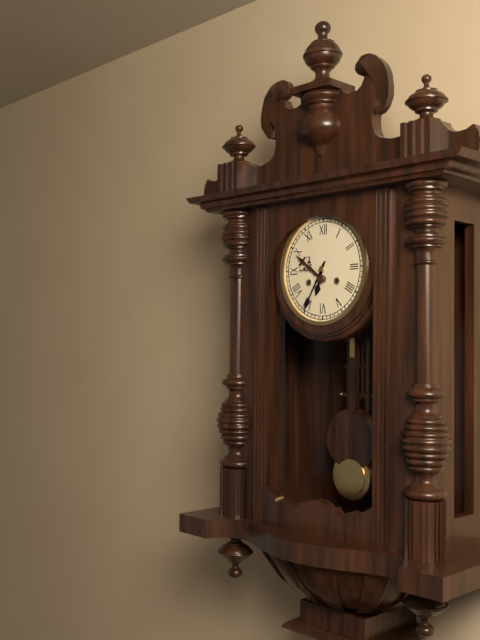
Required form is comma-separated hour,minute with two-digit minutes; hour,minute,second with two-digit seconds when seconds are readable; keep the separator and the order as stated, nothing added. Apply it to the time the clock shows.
6,35
